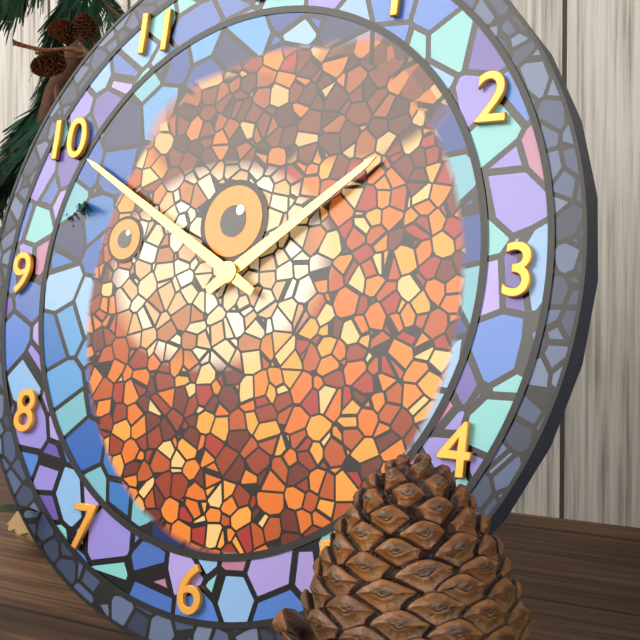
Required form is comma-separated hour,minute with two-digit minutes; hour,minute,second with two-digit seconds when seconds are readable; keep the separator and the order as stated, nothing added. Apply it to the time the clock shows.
1,50
